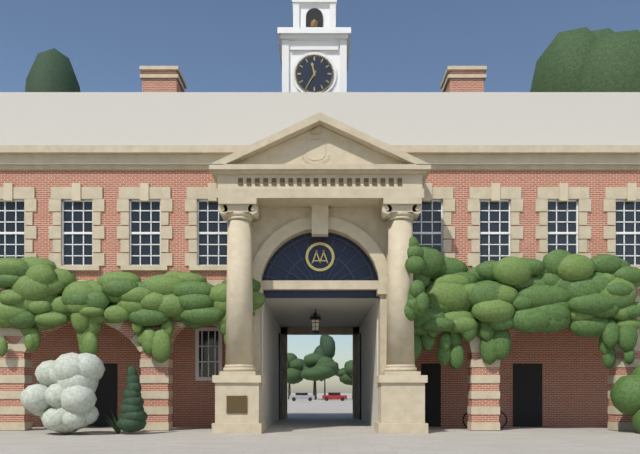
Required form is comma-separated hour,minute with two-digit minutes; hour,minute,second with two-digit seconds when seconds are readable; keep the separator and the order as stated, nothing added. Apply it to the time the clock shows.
11,35
